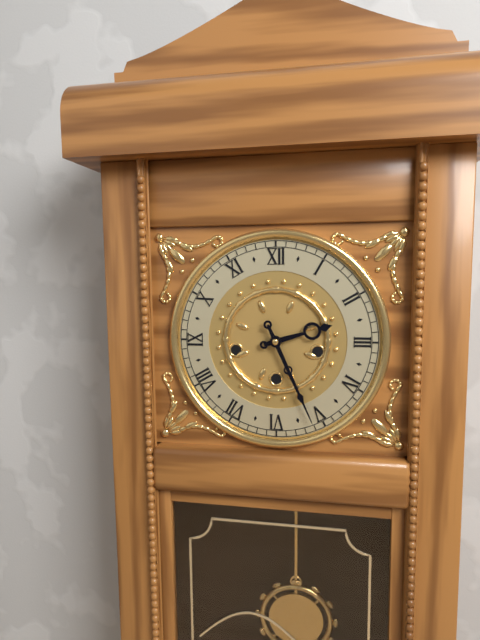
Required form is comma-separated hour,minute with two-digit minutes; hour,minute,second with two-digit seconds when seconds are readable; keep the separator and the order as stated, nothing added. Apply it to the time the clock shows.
2,26
